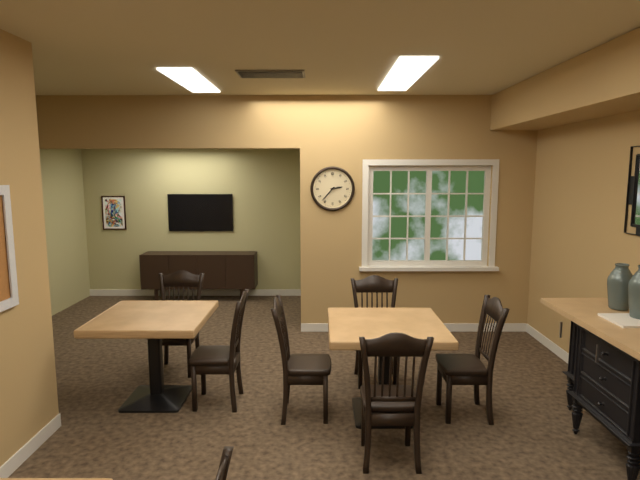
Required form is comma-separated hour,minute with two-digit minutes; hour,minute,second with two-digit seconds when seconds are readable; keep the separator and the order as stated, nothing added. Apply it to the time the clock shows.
2,37
